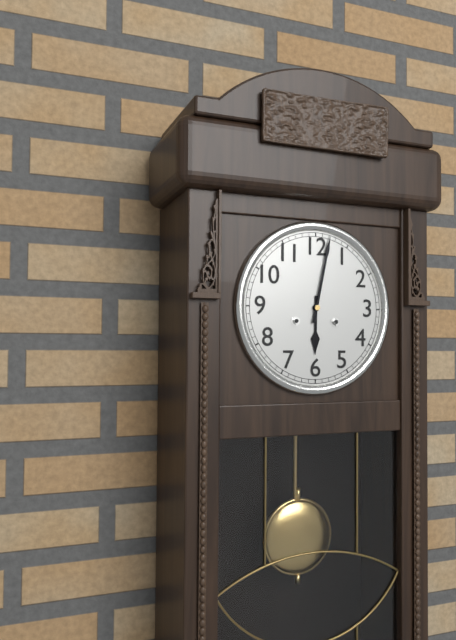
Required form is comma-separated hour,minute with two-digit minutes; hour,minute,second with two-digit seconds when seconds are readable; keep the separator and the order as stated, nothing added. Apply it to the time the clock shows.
6,02
